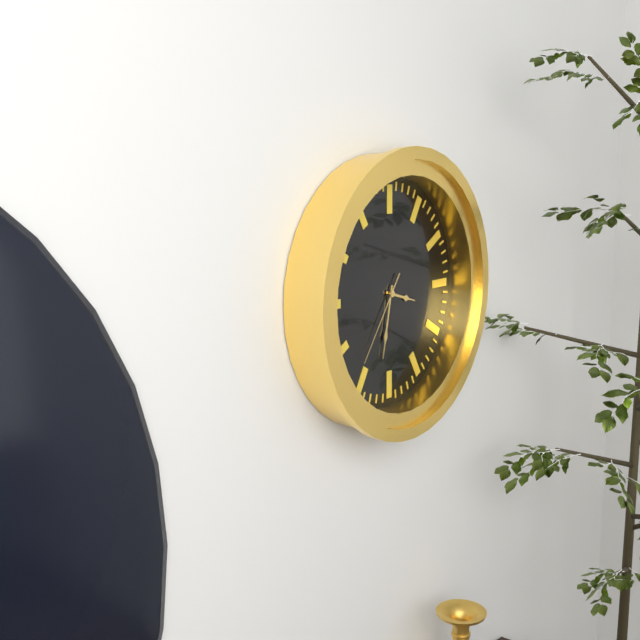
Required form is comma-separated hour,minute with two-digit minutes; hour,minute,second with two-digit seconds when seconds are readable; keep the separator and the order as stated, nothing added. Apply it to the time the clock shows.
3,32,36
